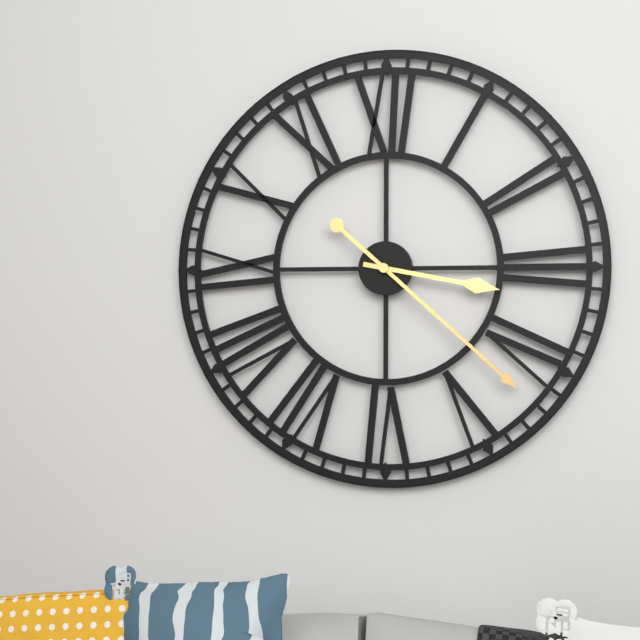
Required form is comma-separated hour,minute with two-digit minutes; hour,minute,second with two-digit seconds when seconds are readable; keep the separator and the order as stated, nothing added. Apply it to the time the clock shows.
3,22
